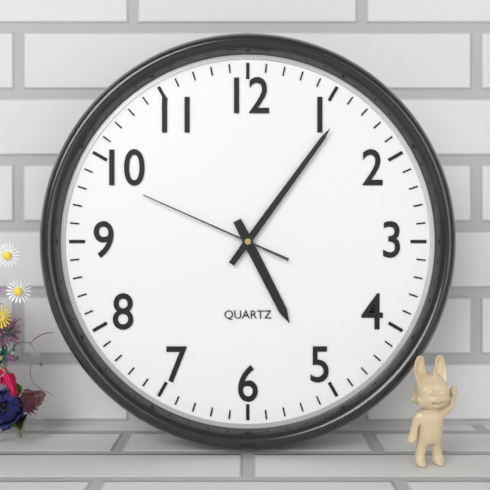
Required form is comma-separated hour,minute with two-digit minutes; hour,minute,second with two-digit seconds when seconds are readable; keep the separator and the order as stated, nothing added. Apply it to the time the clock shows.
5,06,49
